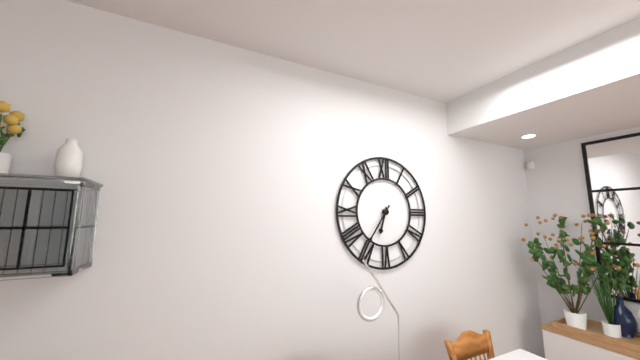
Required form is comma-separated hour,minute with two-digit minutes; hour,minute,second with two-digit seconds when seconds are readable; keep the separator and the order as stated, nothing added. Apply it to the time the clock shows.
6,36
